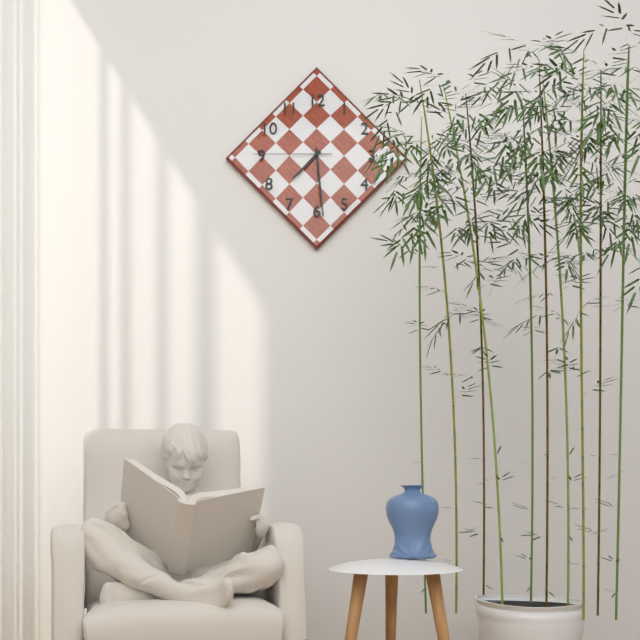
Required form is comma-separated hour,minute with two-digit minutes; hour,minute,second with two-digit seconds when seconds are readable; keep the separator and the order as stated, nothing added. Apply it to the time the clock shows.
7,29,45
